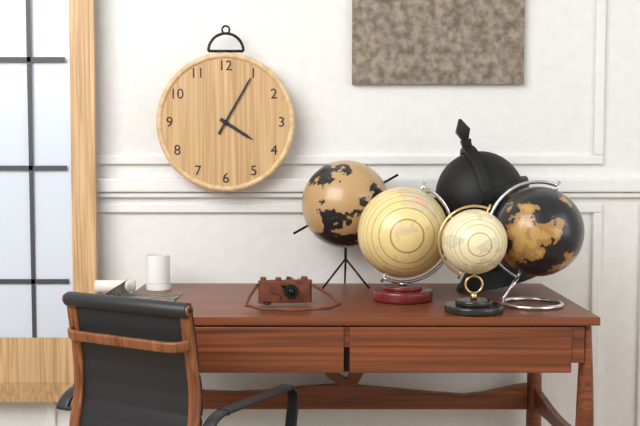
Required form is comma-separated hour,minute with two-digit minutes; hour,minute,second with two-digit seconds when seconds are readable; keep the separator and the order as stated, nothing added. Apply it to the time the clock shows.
4,05
